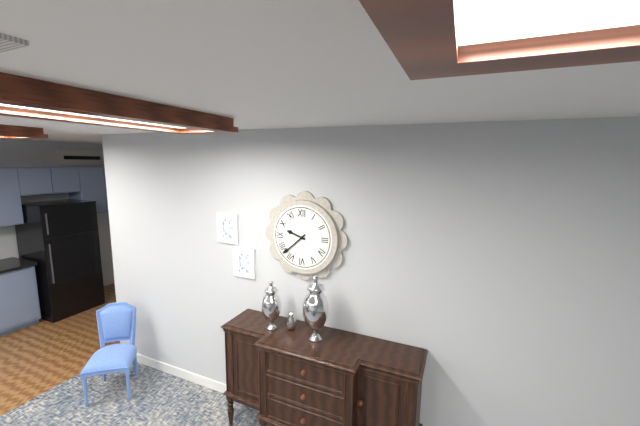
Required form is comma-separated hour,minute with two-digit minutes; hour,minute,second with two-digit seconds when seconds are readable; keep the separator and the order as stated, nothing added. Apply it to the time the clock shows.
9,38
